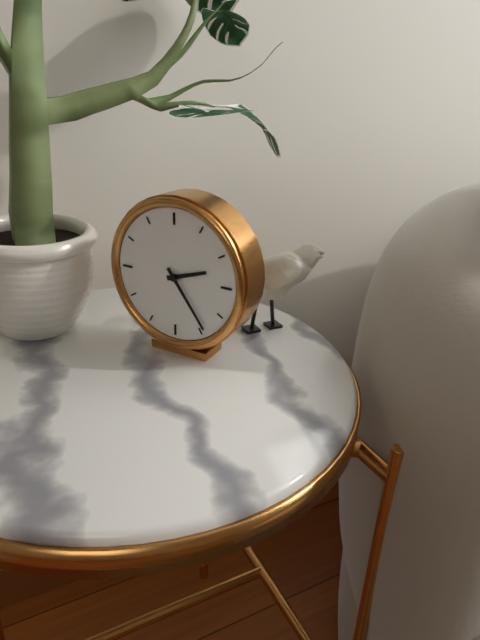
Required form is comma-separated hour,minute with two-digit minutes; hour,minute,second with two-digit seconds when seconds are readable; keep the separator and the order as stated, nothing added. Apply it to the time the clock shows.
2,24
